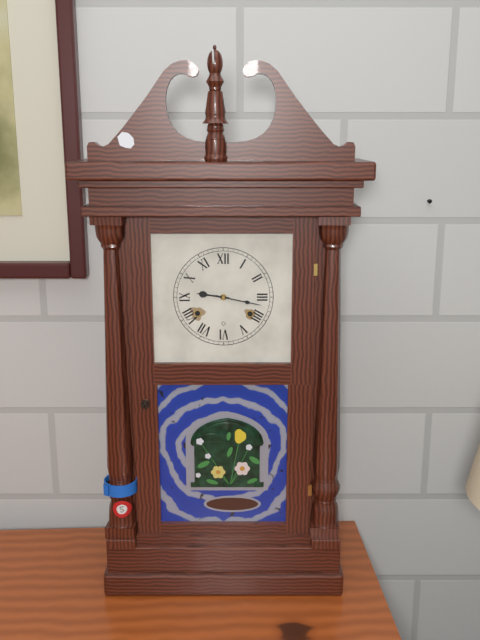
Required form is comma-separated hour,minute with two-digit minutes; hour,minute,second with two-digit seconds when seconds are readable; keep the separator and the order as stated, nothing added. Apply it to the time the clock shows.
9,17
